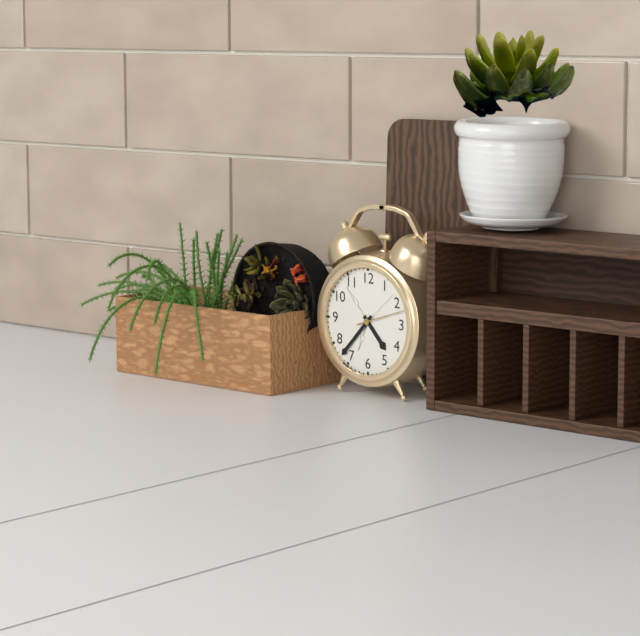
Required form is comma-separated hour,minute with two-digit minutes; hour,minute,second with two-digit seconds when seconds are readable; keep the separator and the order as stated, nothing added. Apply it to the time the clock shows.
4,37
